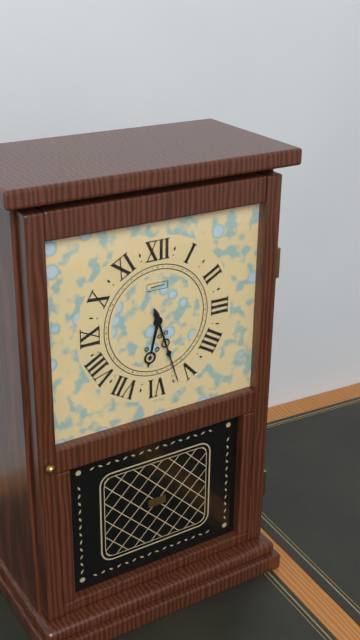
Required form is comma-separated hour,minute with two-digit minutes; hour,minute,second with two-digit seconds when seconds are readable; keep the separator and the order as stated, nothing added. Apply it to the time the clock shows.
6,27
